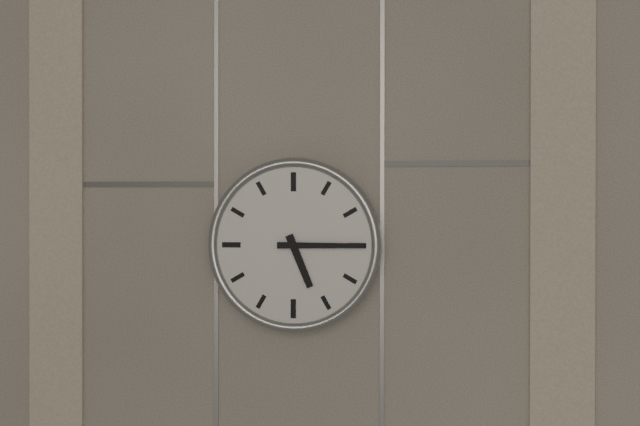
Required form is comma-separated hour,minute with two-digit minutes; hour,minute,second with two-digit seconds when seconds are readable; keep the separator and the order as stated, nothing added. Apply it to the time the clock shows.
5,15
